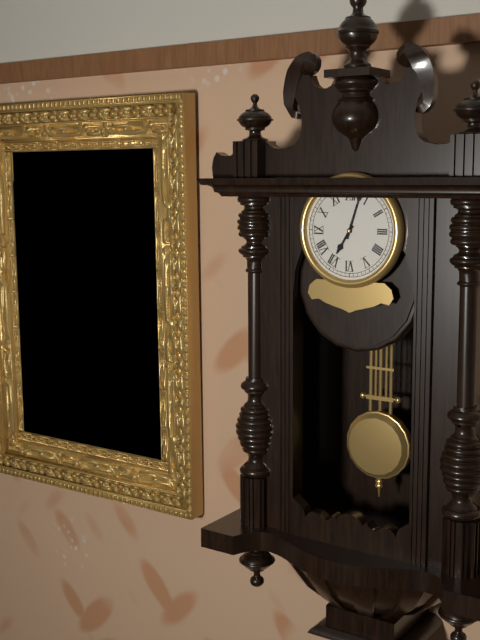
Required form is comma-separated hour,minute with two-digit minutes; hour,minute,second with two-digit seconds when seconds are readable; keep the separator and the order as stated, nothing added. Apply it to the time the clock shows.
7,03
